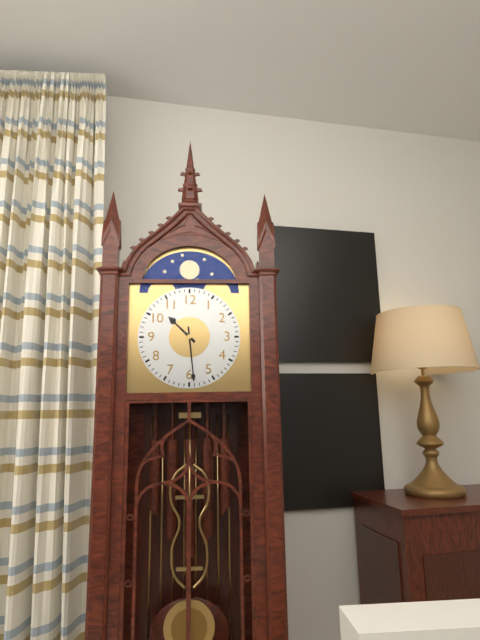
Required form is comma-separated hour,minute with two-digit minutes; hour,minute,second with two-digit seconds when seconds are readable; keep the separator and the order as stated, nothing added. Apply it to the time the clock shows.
10,29
